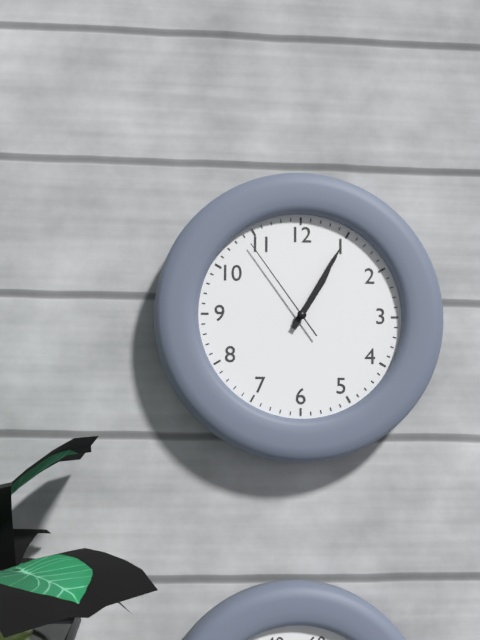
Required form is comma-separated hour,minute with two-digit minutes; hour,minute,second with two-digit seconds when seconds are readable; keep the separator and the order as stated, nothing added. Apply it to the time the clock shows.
1,05,54
